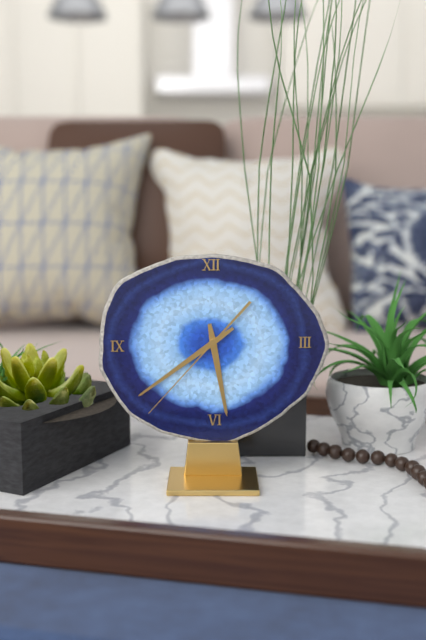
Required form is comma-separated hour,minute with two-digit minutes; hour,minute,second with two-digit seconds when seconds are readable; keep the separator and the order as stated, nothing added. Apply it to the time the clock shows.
5,39,37
